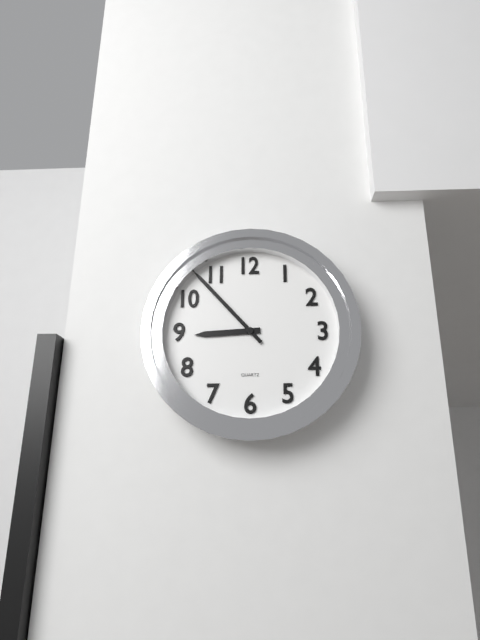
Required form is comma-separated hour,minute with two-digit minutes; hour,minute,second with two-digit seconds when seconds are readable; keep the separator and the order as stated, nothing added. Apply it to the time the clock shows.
8,53
